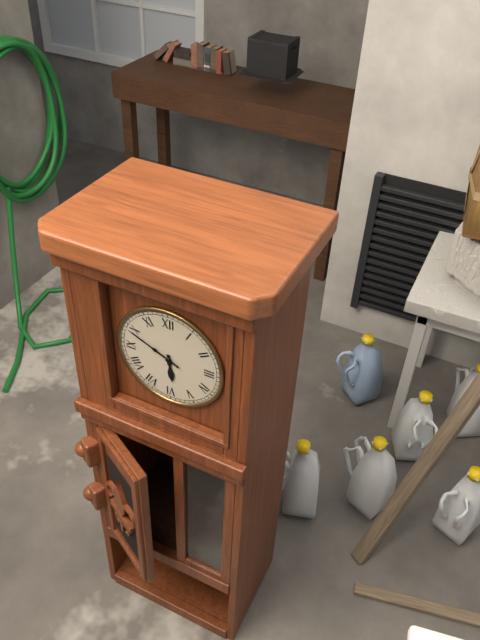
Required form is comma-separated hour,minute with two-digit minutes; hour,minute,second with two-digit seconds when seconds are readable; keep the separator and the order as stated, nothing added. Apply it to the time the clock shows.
5,49
